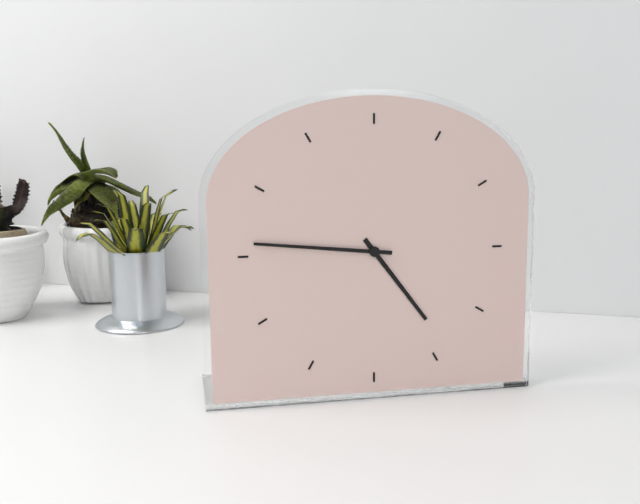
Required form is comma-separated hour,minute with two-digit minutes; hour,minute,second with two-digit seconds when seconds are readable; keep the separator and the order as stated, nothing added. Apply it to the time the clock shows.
4,46
